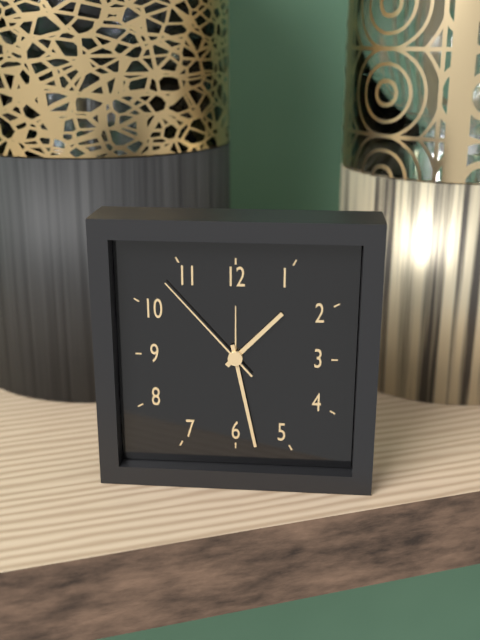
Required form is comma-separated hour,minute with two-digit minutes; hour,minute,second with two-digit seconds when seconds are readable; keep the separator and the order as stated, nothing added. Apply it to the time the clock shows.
1,28,53
